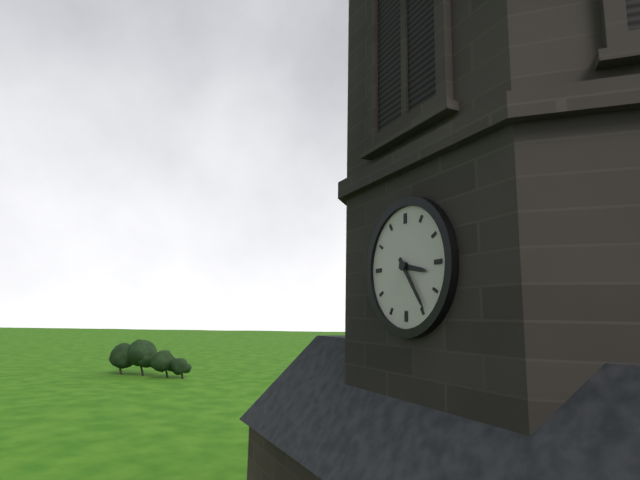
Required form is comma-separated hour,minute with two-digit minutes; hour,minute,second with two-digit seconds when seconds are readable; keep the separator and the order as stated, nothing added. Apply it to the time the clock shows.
3,24
